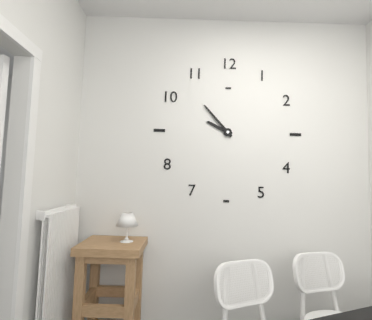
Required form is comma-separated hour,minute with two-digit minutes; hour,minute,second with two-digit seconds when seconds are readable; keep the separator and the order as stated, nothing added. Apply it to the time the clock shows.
9,53
